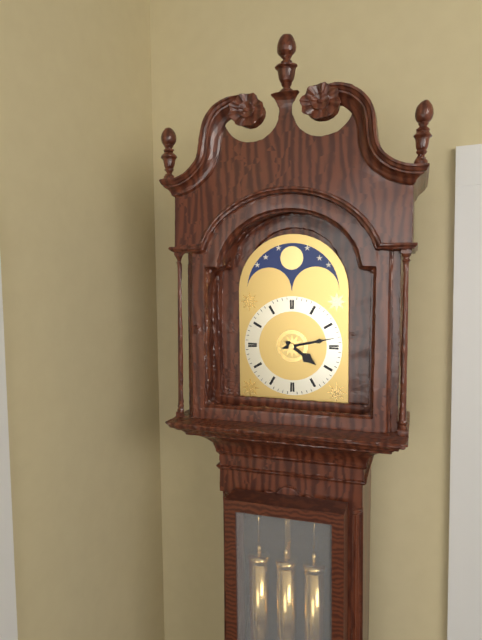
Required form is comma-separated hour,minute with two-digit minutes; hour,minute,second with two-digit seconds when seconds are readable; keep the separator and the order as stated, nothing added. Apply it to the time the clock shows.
4,13
